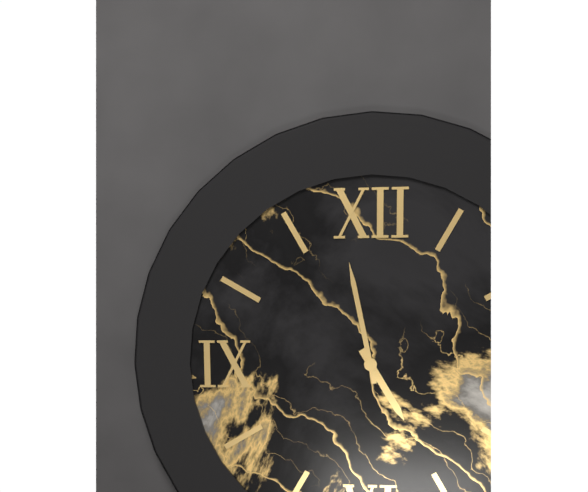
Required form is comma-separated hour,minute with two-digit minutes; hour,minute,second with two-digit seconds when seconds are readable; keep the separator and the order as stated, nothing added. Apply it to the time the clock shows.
4,58
